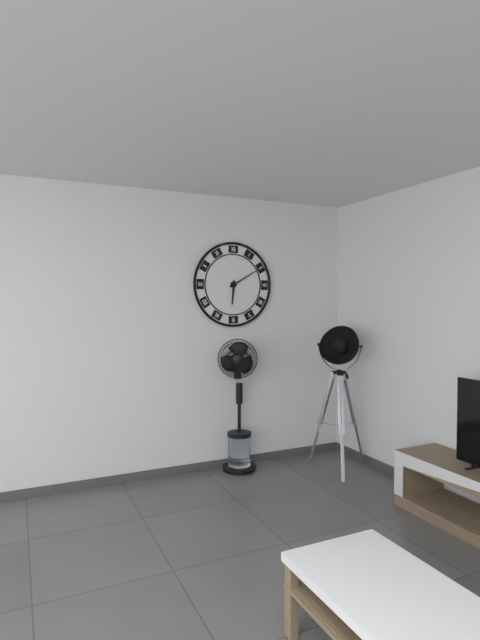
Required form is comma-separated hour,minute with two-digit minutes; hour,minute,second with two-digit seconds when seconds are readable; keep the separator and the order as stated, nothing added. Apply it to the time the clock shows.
6,10
